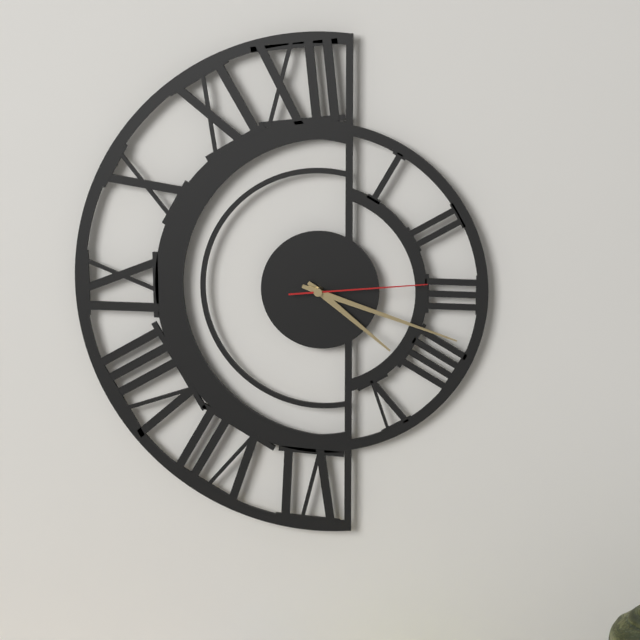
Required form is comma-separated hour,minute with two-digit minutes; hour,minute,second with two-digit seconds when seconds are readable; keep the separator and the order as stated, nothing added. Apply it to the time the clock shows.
4,18,14
